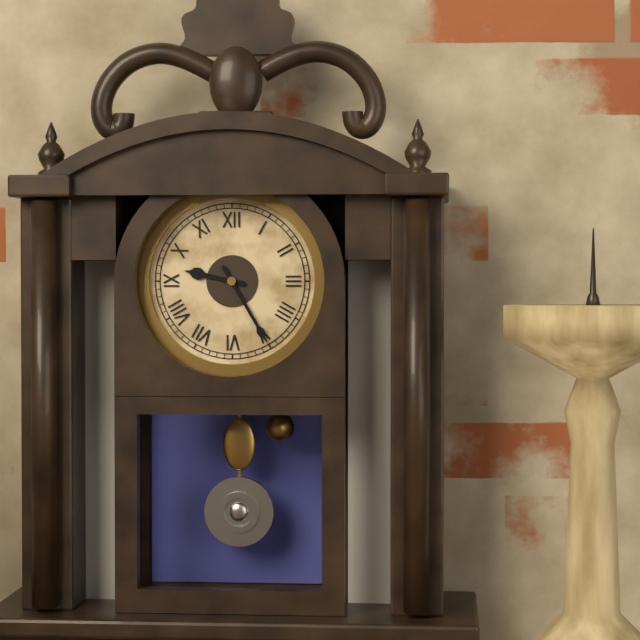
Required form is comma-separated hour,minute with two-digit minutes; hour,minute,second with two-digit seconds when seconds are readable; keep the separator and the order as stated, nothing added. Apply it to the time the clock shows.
9,25
